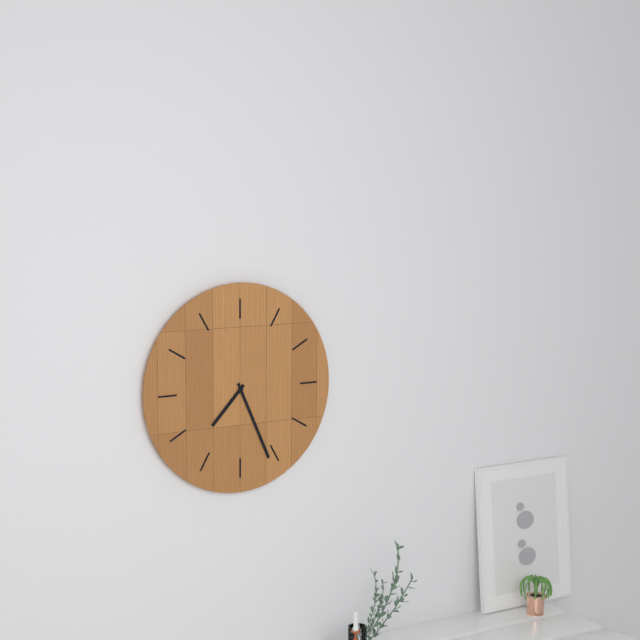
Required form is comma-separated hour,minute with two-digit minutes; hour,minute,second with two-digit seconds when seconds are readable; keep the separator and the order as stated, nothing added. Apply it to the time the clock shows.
7,26
